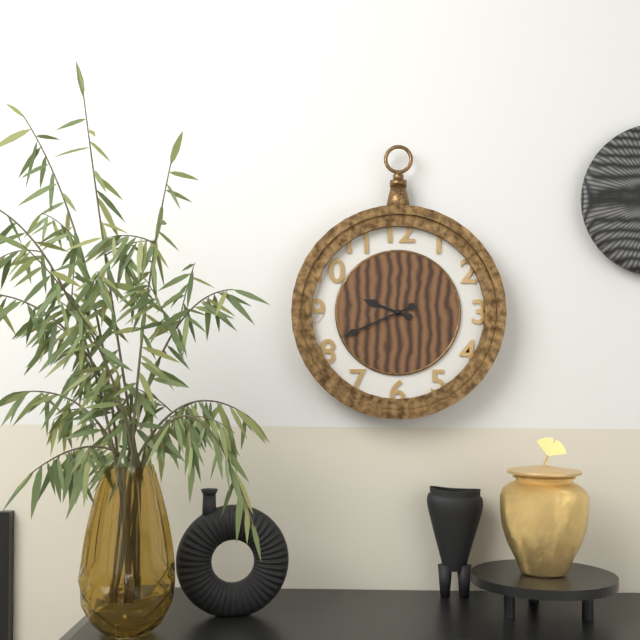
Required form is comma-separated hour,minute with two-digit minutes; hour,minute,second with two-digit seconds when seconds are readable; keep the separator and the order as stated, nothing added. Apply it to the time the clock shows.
9,41
